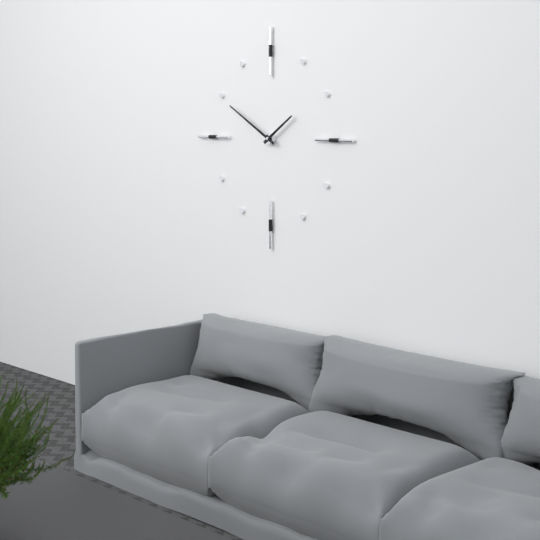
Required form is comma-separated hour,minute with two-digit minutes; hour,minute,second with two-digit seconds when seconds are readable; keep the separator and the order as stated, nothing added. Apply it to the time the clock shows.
1,50
